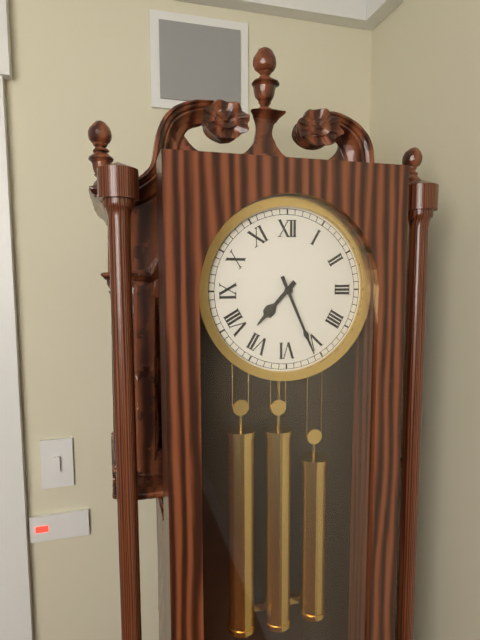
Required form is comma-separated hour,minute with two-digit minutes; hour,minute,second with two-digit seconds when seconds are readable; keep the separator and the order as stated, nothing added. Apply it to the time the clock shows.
7,26
